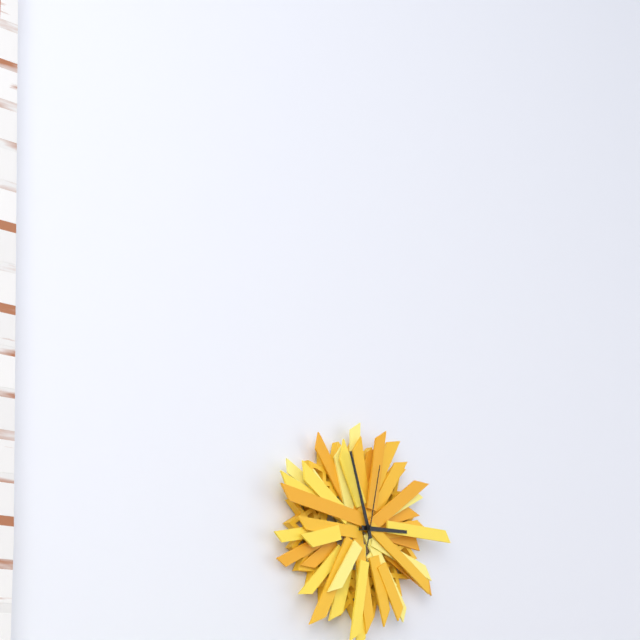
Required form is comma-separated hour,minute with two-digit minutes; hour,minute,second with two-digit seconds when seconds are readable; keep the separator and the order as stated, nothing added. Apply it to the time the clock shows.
2,57,02
